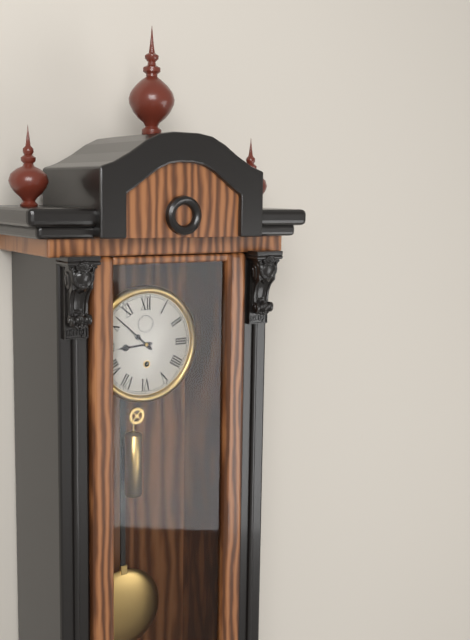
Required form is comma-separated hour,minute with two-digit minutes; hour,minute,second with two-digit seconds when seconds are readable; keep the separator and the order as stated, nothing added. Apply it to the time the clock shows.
8,52
